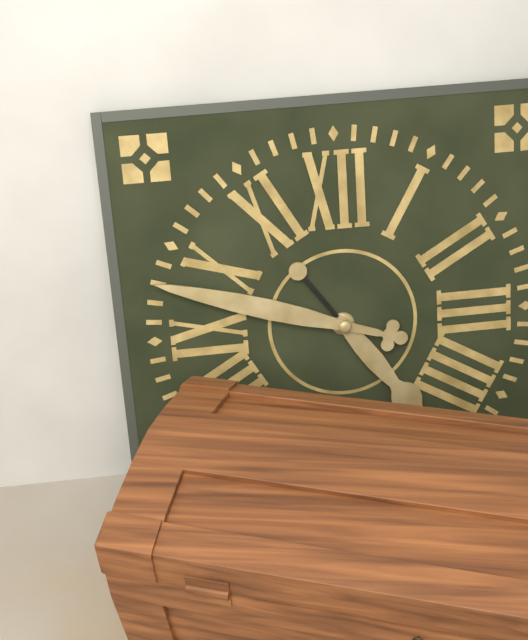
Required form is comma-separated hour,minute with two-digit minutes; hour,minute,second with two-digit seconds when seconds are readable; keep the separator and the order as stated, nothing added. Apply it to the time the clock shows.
4,48
